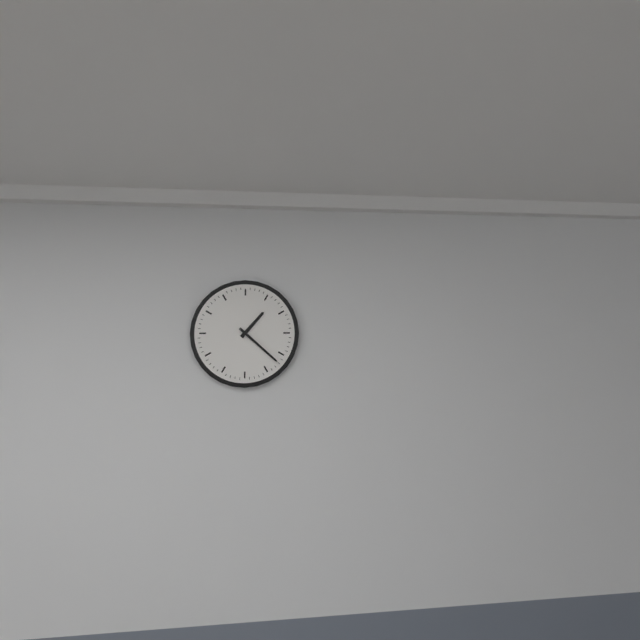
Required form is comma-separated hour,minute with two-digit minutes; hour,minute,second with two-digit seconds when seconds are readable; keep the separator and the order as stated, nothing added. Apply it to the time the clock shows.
1,22
